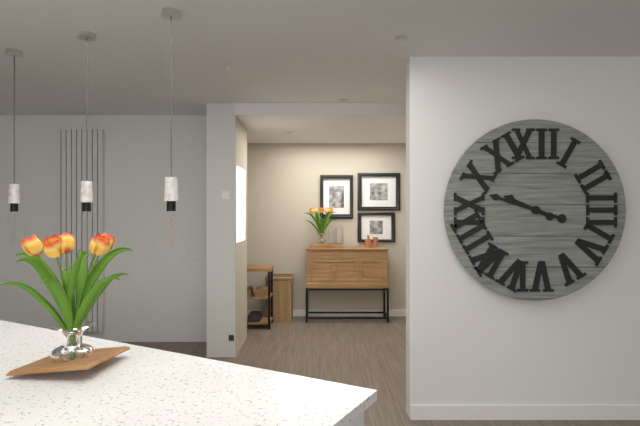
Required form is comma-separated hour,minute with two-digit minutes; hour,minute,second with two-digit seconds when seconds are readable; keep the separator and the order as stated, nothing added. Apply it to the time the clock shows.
9,48
